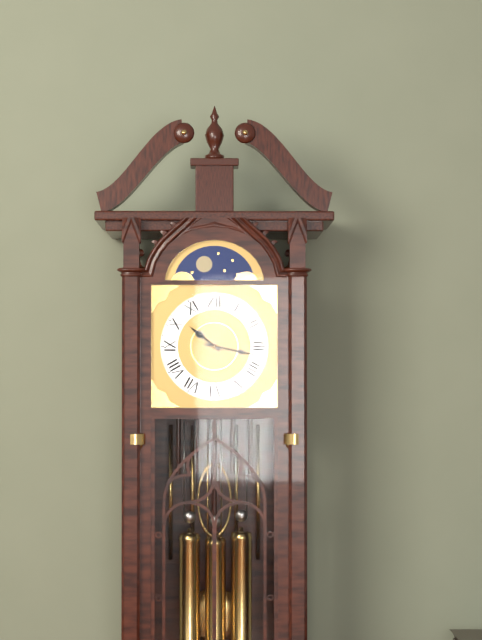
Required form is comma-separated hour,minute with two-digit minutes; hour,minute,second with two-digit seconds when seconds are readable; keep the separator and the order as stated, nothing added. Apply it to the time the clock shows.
10,17
